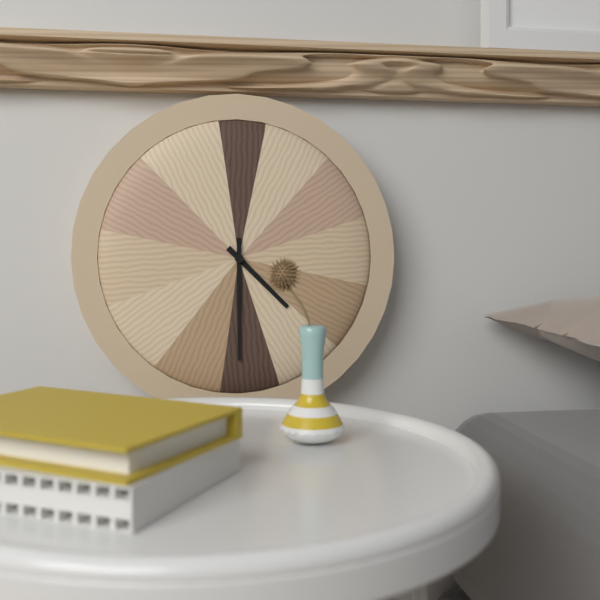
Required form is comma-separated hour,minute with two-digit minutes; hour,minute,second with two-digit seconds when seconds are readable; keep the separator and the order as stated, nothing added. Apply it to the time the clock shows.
4,30
